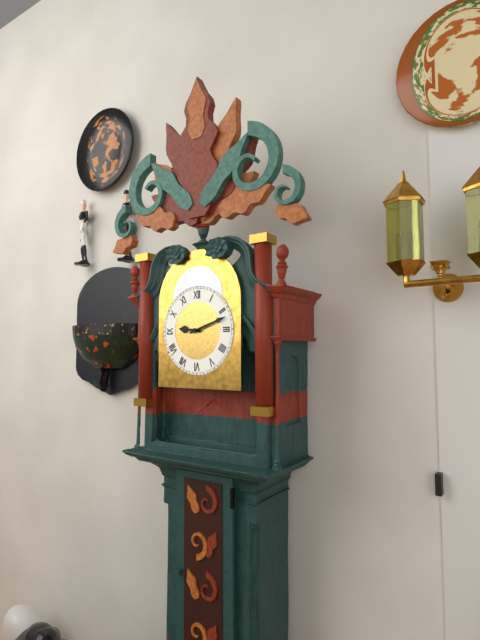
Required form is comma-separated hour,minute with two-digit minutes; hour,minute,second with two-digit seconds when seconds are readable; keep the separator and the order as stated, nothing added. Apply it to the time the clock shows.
9,12
